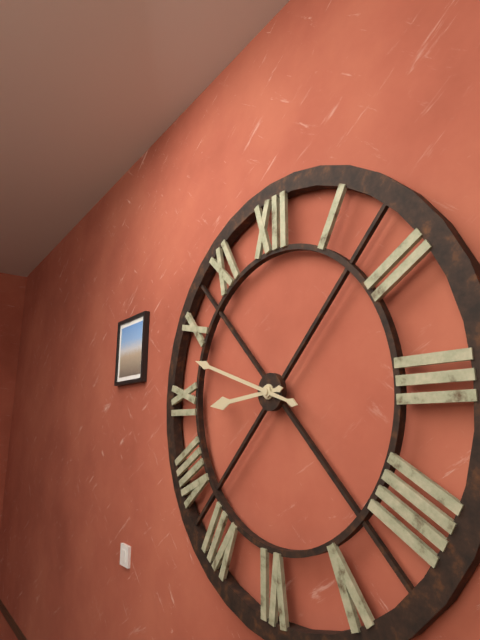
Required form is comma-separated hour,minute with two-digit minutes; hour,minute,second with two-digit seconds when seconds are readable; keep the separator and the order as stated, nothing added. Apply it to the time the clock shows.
8,48
